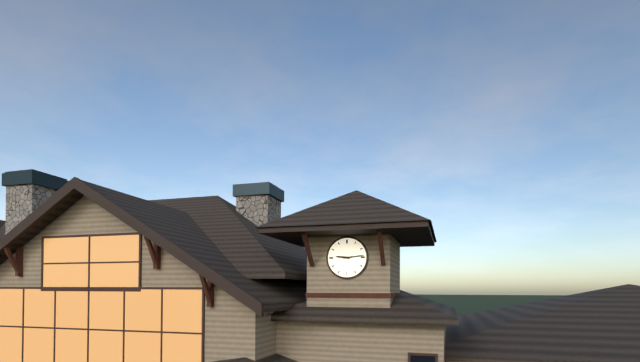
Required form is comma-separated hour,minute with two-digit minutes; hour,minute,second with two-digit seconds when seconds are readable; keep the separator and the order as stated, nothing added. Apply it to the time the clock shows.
9,14
